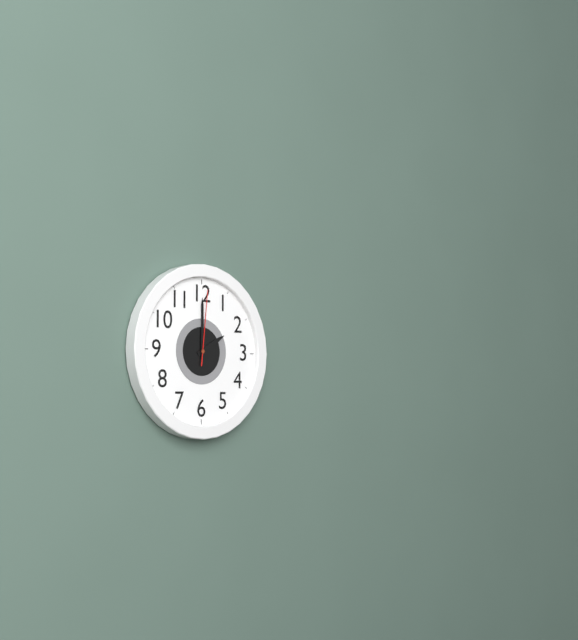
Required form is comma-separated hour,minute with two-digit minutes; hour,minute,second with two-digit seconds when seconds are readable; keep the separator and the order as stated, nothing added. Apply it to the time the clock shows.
2,00,01
